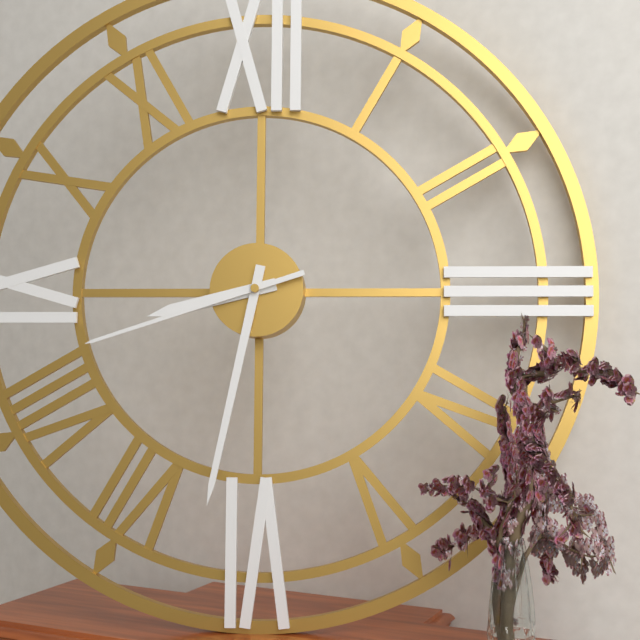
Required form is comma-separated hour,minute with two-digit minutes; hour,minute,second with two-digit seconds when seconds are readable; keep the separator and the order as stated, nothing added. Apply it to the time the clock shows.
8,32,42
